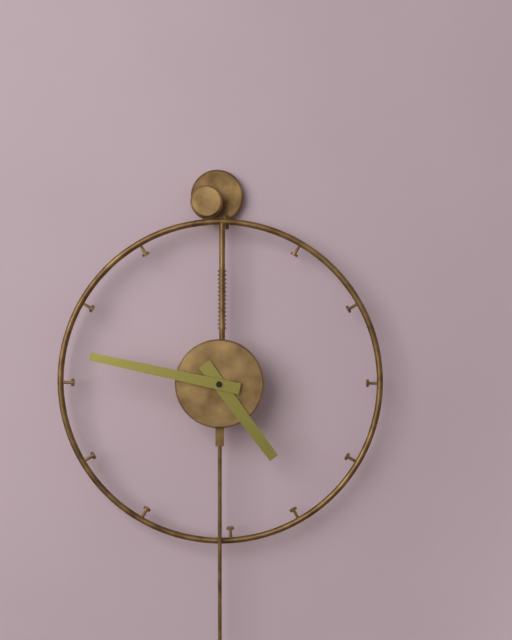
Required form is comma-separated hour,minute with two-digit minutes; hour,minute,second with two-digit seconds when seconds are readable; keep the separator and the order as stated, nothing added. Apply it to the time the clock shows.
4,47
